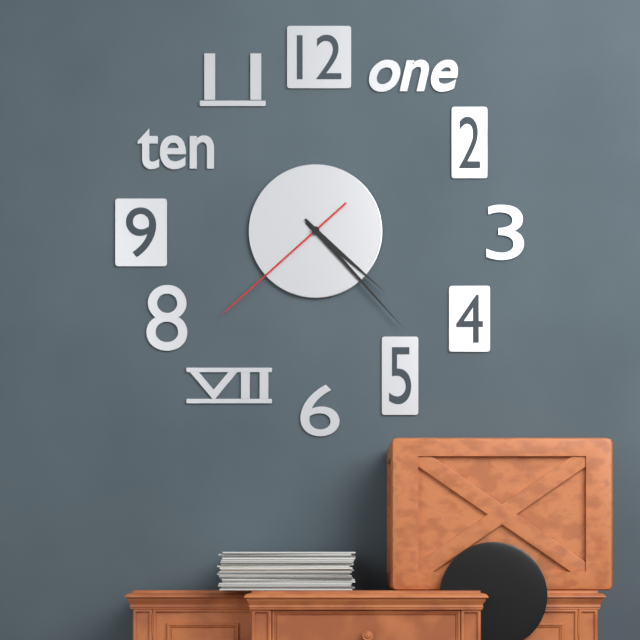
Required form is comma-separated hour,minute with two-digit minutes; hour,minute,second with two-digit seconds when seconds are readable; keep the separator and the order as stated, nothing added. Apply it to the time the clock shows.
4,23,38
